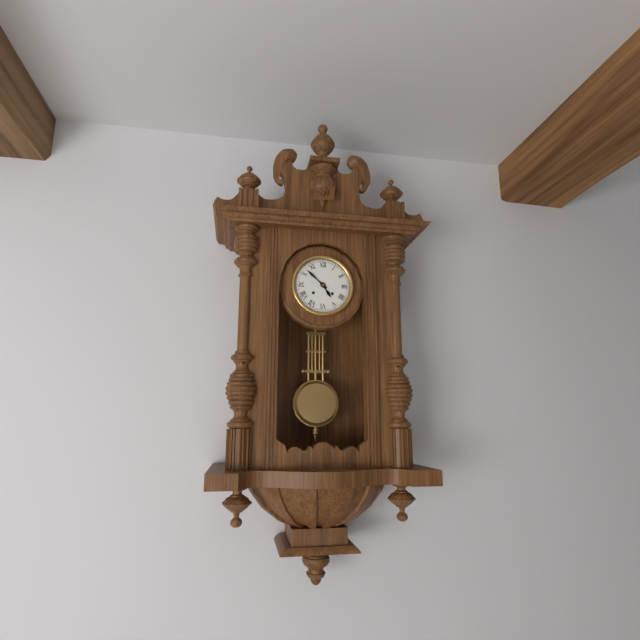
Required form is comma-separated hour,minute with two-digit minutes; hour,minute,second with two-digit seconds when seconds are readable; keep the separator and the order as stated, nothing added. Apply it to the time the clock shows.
4,52
